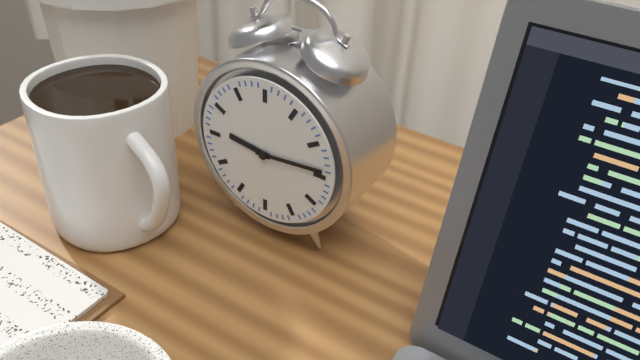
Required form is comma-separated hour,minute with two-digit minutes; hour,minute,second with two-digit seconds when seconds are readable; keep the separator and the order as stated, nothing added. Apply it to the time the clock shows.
9,14
